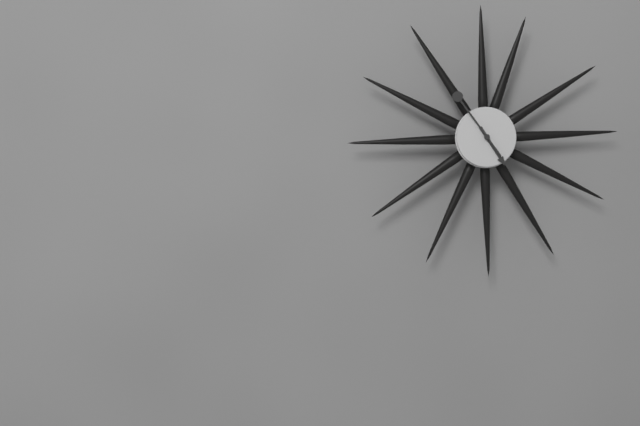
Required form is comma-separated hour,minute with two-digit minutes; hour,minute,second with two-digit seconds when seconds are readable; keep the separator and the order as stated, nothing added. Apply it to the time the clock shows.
4,54
